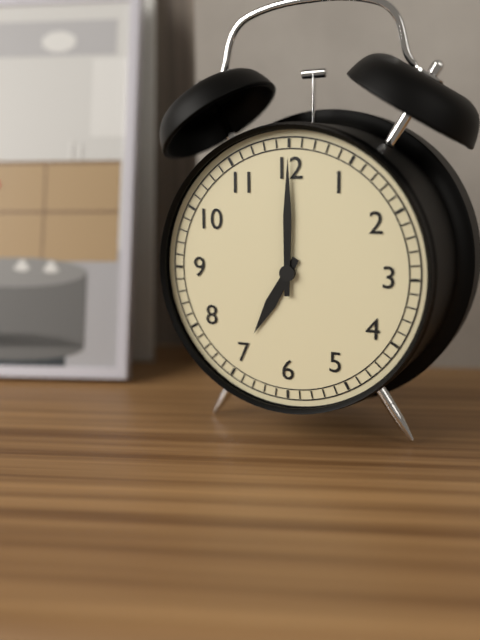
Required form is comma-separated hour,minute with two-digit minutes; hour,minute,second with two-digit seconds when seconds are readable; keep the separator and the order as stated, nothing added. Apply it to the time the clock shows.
7,00
